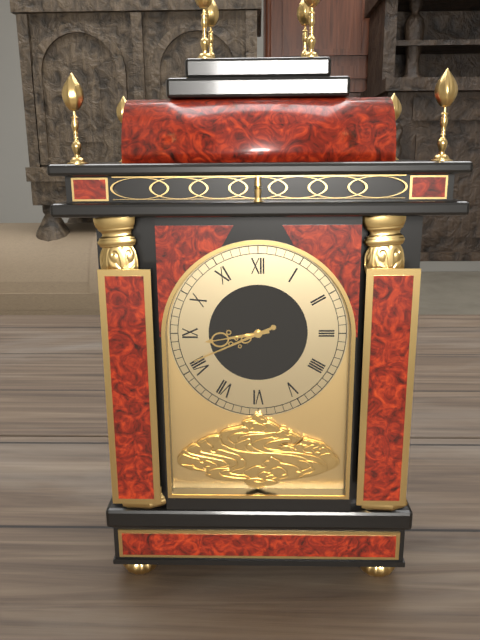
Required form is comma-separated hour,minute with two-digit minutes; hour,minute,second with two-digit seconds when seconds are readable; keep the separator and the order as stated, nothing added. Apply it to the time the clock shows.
8,41
